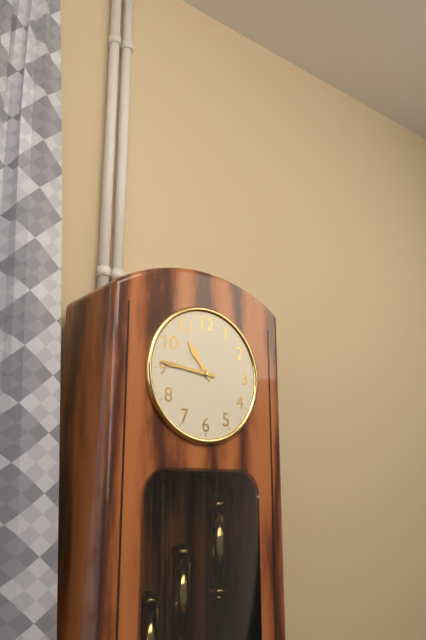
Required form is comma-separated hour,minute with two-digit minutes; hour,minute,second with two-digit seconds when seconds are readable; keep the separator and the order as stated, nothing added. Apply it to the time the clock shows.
10,46
